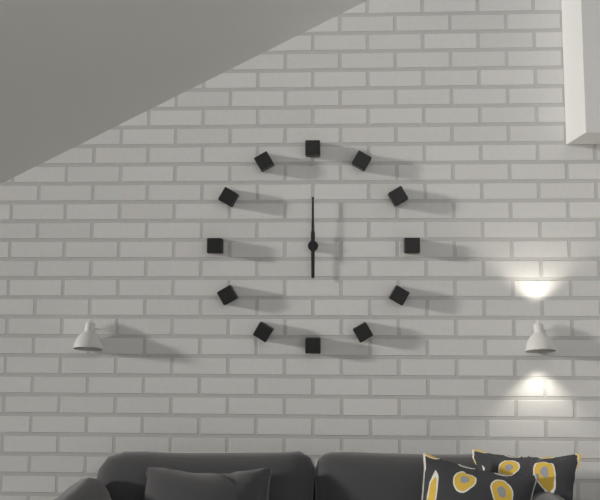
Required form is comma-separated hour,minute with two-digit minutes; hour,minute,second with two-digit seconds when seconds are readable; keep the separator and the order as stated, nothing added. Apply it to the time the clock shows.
6,00
